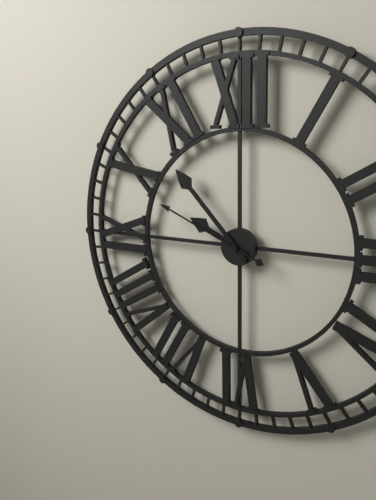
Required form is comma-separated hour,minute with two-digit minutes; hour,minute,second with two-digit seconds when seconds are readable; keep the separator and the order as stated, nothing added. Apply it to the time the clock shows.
9,53,49
